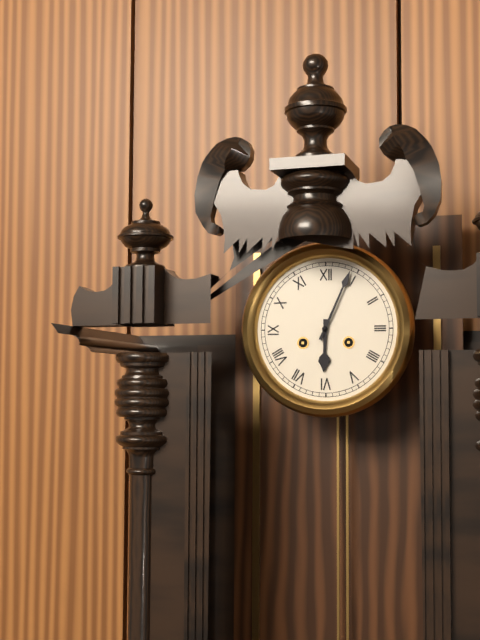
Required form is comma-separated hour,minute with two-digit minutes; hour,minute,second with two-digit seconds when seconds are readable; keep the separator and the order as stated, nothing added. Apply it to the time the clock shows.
6,04
